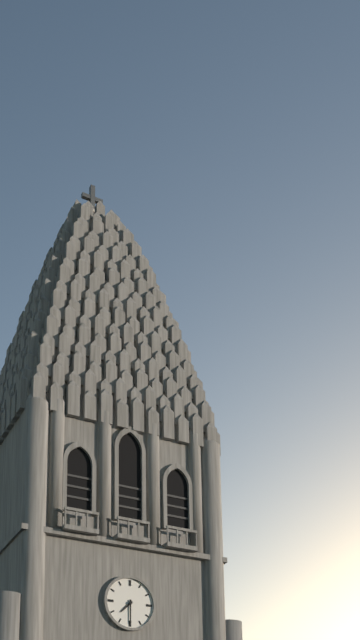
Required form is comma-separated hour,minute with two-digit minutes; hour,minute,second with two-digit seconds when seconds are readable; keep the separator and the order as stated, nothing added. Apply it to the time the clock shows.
7,30
